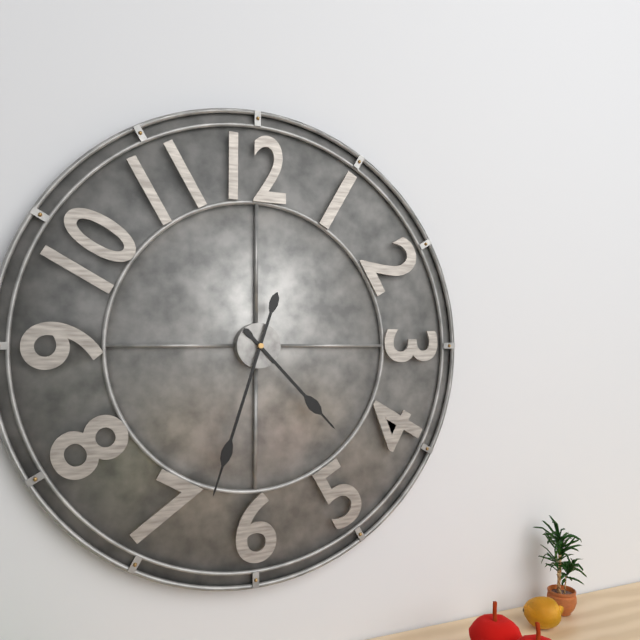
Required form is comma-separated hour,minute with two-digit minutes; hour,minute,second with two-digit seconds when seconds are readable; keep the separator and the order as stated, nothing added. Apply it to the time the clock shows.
4,33
